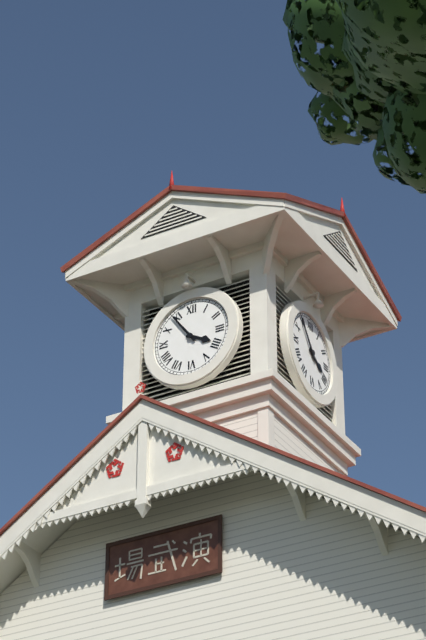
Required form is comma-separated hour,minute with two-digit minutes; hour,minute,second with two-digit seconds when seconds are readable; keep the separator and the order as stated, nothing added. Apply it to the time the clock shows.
3,54
